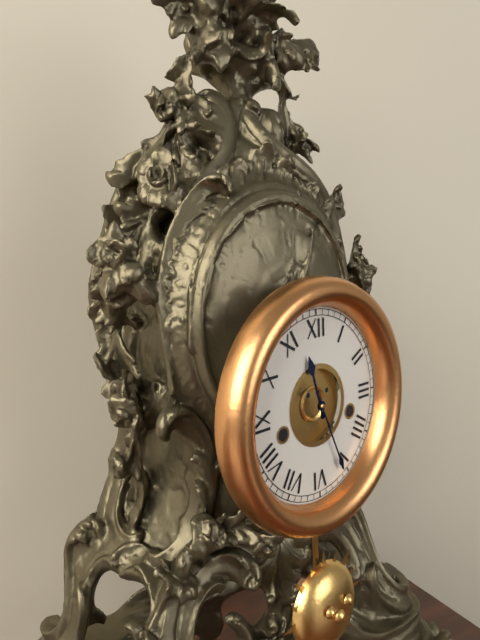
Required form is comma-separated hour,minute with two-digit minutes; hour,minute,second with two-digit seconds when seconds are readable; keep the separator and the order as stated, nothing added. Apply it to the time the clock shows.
11,26
